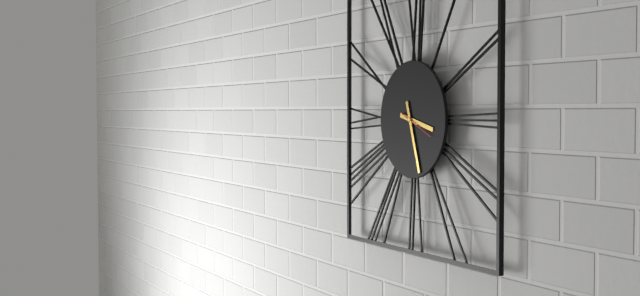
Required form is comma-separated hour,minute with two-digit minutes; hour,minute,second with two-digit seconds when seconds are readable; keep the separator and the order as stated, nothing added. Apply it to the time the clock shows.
3,27
